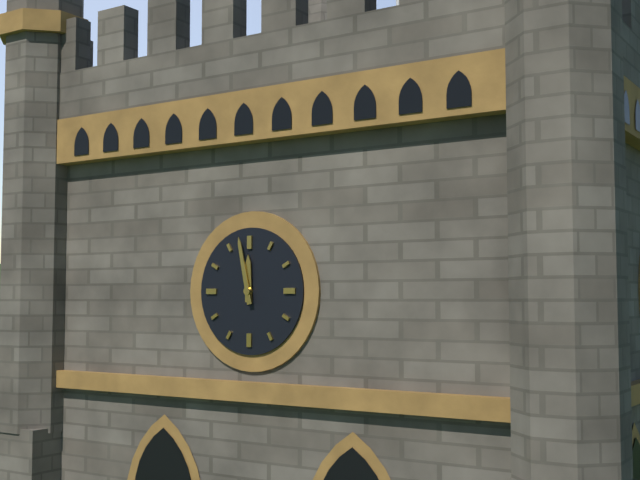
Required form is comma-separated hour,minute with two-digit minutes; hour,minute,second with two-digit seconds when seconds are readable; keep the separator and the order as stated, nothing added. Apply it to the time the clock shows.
11,58
